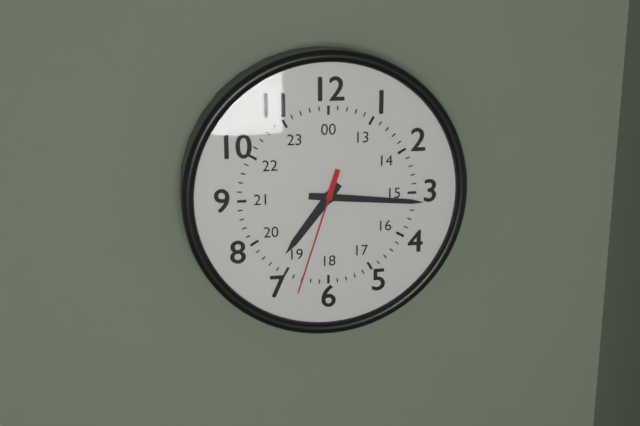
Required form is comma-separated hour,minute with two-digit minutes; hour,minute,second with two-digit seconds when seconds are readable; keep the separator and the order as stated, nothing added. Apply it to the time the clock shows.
7,16,33
